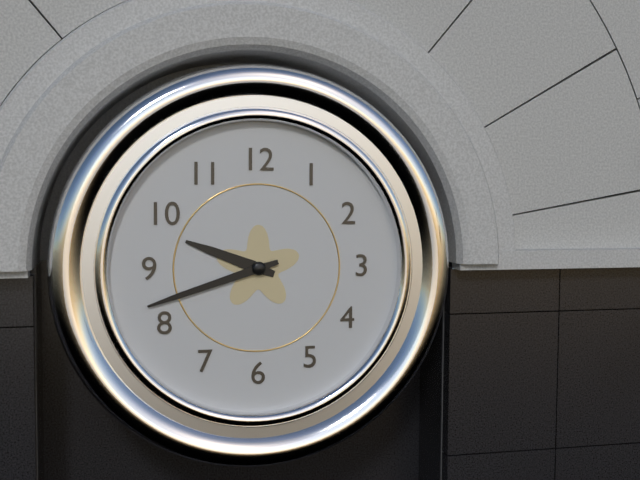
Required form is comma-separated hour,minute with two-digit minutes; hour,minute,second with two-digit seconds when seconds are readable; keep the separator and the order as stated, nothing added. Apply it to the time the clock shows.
9,42
